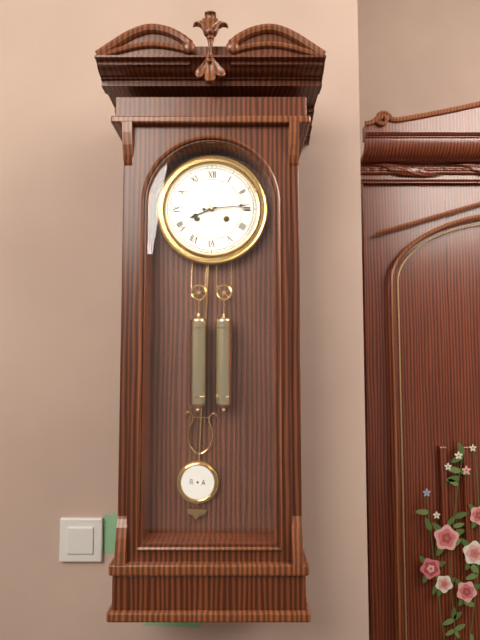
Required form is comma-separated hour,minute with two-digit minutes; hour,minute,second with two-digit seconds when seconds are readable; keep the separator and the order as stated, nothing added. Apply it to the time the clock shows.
8,14
